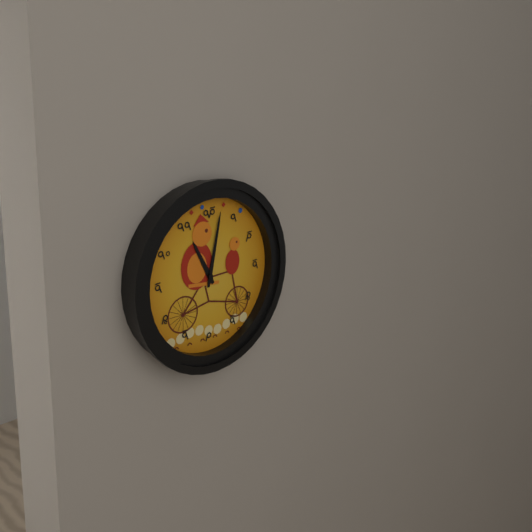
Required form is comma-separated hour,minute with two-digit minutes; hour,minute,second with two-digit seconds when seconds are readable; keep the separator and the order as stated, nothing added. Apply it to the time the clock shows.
11,02
